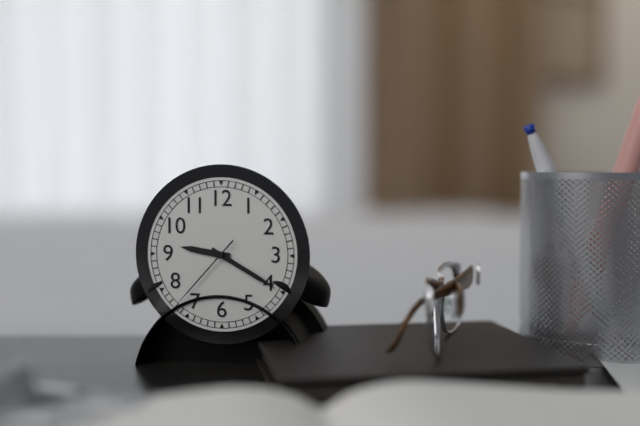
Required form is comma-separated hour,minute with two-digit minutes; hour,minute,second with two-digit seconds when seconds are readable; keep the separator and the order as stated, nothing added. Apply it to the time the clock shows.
9,20,37
